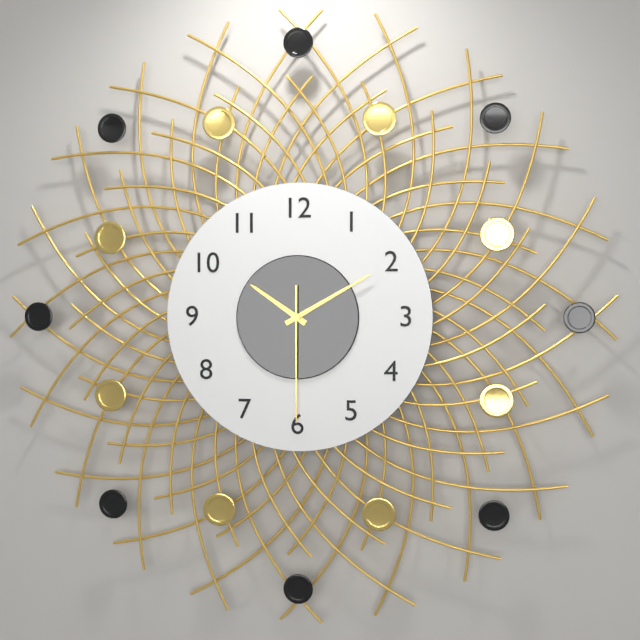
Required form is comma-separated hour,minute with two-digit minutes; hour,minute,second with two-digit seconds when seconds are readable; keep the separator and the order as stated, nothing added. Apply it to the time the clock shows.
10,10,30
